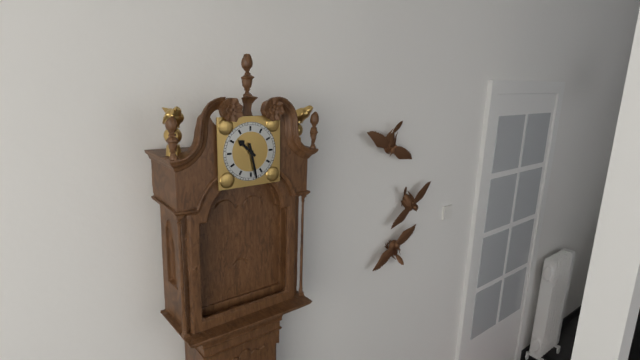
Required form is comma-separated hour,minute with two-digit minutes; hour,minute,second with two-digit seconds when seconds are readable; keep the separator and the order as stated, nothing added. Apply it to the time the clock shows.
10,28
